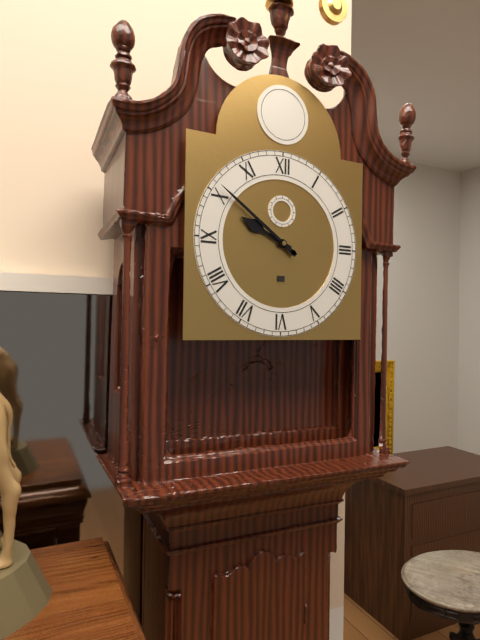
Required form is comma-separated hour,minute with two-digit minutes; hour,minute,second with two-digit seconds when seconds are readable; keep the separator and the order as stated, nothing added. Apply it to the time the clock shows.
9,51
